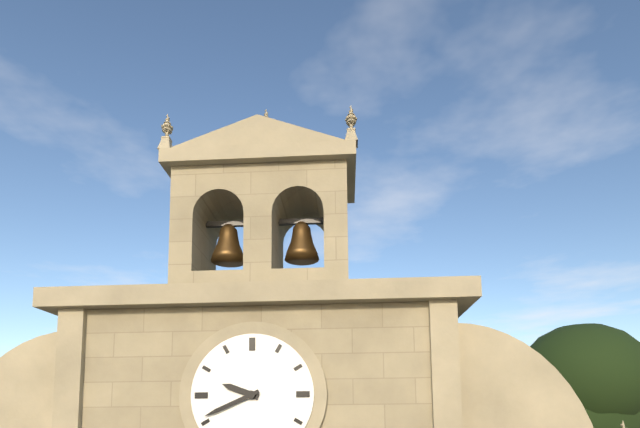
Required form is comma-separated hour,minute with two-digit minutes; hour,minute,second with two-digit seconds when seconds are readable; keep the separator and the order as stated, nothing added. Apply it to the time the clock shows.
9,41
